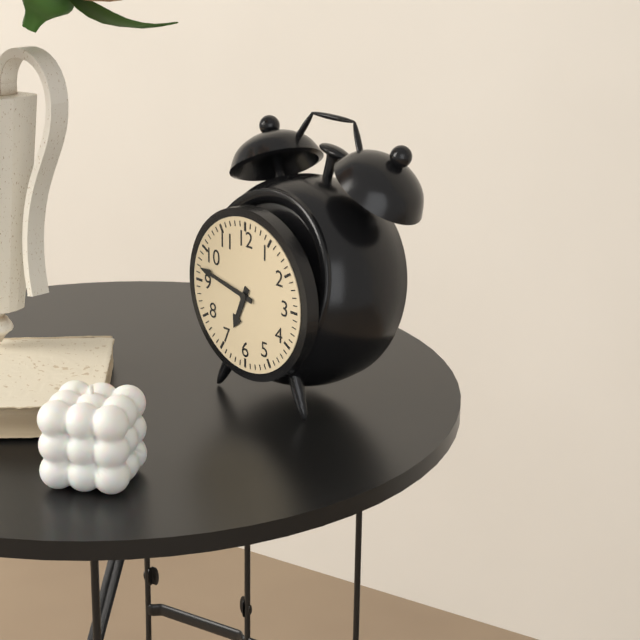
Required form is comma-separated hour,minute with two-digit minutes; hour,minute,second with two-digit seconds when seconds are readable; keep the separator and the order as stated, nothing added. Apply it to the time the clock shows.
6,47
